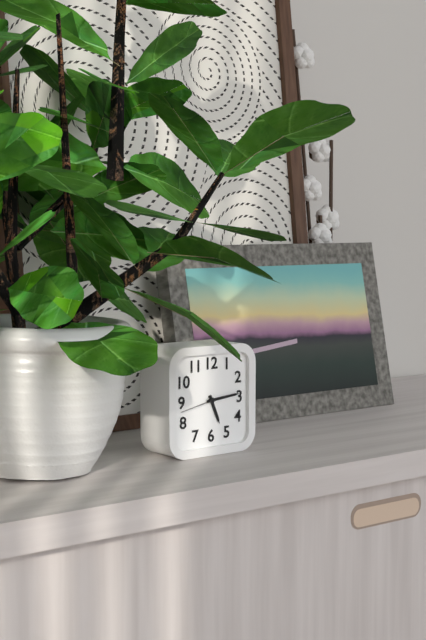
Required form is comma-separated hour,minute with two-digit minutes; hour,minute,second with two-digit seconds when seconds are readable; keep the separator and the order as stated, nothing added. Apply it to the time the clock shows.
5,14
